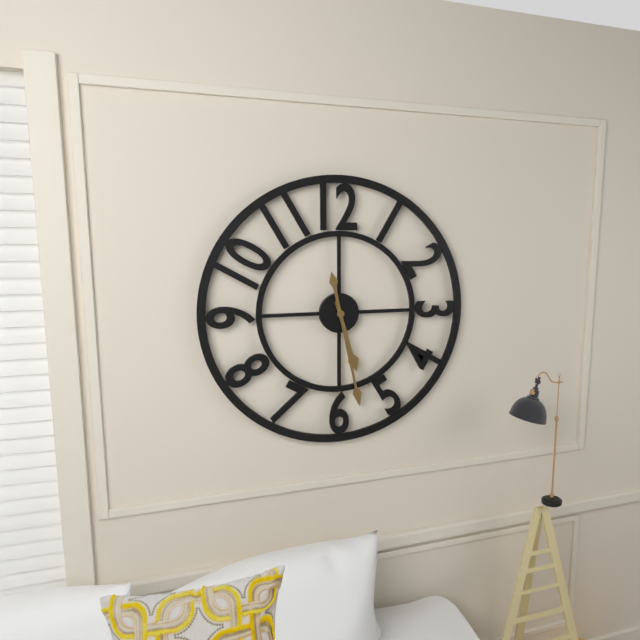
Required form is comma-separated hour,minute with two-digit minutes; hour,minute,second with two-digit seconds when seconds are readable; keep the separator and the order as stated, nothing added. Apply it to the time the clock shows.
5,28
